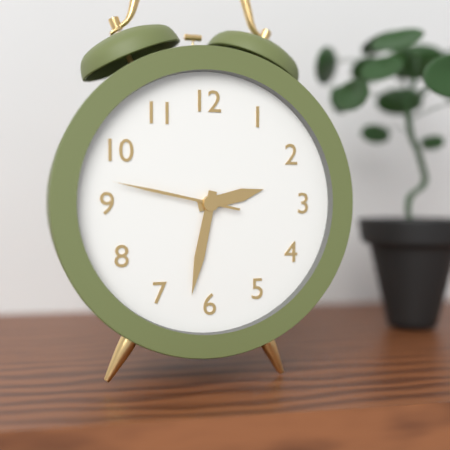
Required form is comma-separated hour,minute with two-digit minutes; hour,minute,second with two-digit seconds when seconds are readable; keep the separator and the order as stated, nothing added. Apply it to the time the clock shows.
2,32,47
